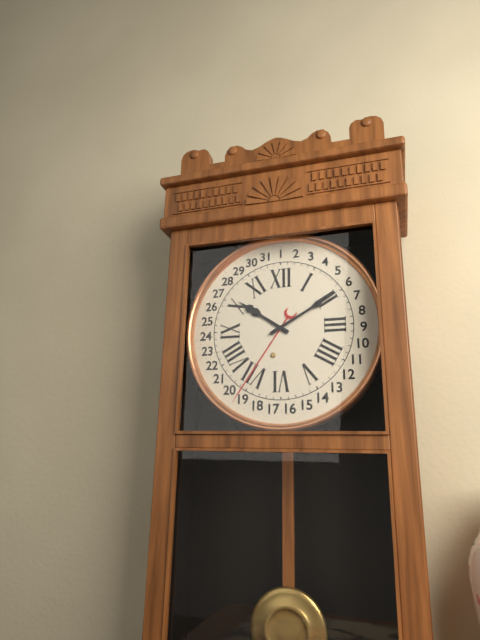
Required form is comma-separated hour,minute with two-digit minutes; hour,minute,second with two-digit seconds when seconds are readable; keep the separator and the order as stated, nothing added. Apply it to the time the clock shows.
10,10
